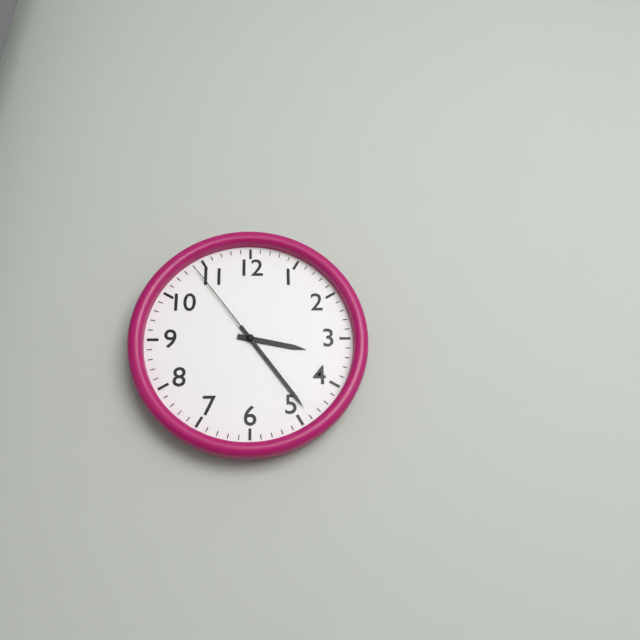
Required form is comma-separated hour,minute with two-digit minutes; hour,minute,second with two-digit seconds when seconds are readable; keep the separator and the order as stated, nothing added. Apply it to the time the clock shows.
3,24,54
